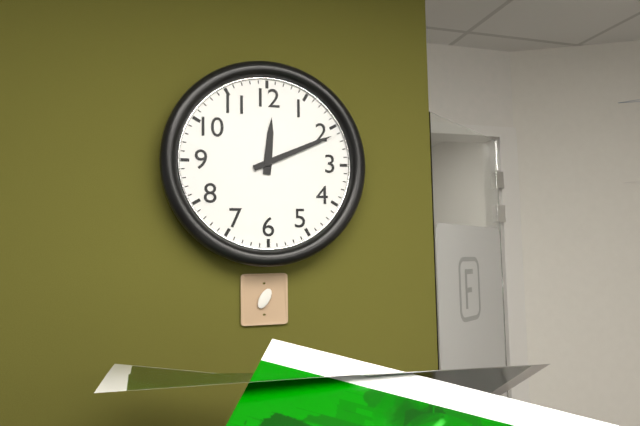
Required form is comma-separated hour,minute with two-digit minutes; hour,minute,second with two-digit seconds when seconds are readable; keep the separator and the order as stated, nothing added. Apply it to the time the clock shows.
12,11
